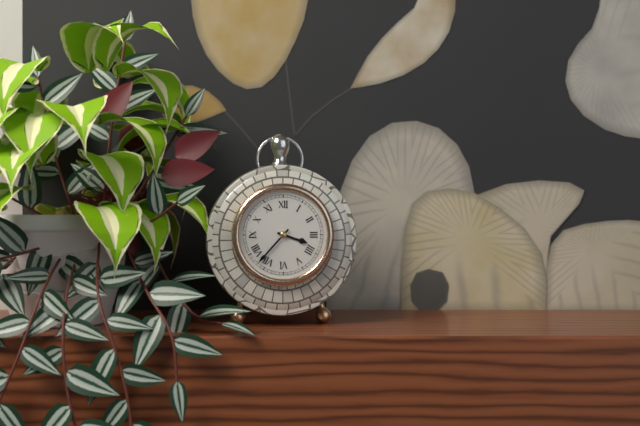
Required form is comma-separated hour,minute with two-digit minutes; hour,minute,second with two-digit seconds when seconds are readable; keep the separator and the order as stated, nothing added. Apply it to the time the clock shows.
3,37
